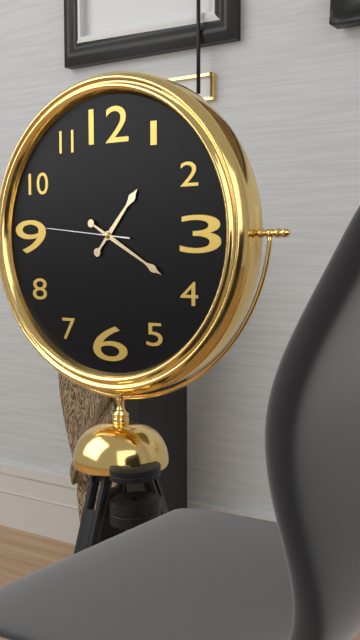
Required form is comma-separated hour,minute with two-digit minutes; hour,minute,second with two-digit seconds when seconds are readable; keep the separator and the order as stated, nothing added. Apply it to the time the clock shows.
1,20,46
